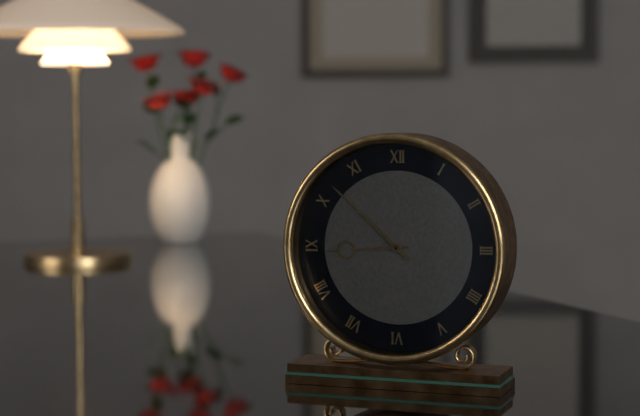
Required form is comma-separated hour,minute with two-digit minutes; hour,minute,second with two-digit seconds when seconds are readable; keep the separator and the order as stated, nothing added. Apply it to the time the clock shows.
8,52
